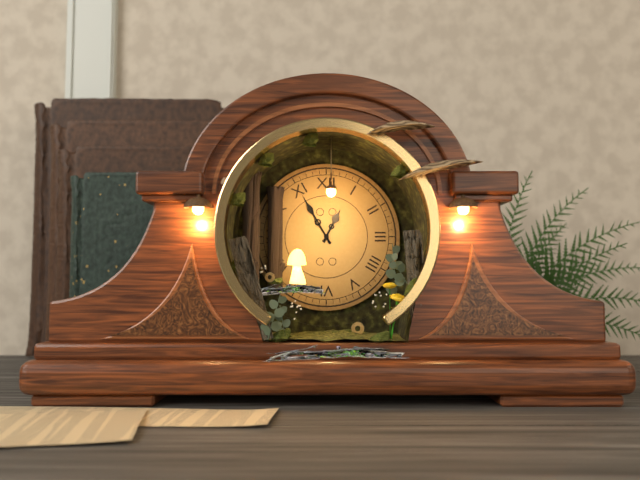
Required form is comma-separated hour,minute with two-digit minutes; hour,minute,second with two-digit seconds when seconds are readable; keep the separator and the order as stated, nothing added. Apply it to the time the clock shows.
12,55
